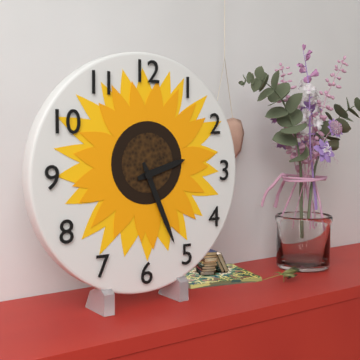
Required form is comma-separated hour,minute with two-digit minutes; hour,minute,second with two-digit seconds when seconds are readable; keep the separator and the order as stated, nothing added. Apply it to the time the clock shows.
2,26
